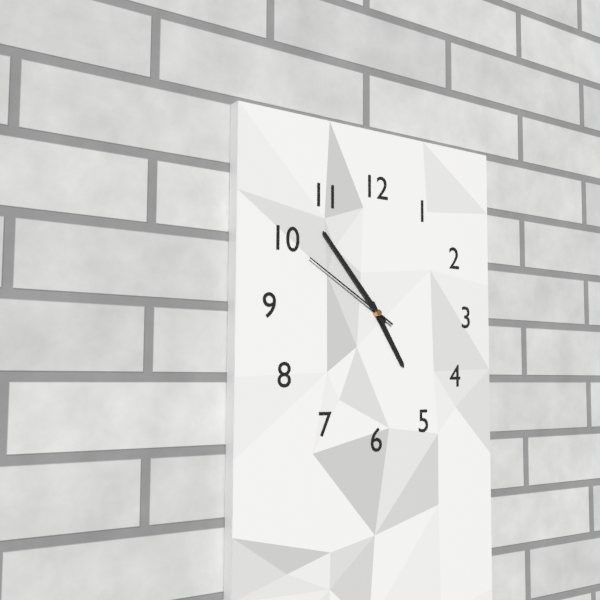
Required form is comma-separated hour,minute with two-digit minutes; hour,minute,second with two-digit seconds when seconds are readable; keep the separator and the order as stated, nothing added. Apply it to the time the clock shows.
4,53,50
